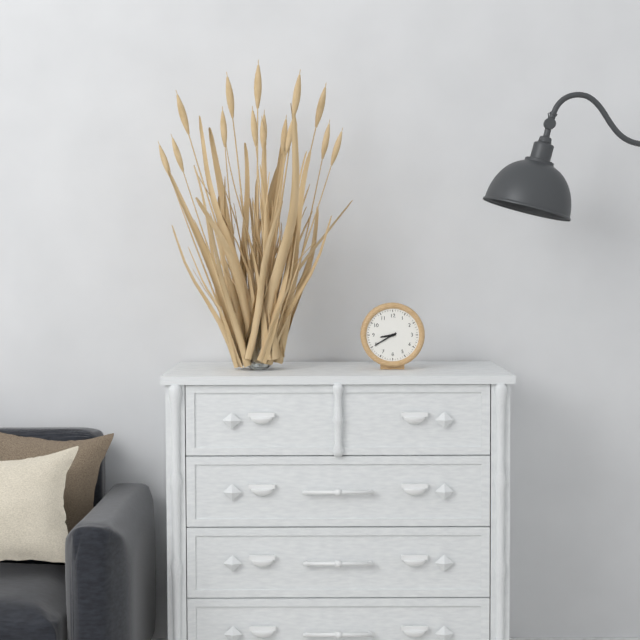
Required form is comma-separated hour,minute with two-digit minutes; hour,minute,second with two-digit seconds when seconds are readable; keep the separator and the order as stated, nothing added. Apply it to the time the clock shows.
8,40
